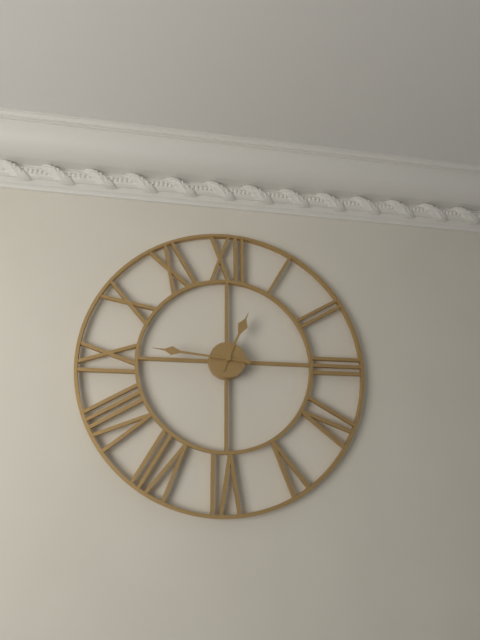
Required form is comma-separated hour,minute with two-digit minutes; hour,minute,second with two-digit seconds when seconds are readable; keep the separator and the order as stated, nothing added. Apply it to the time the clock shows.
12,46
